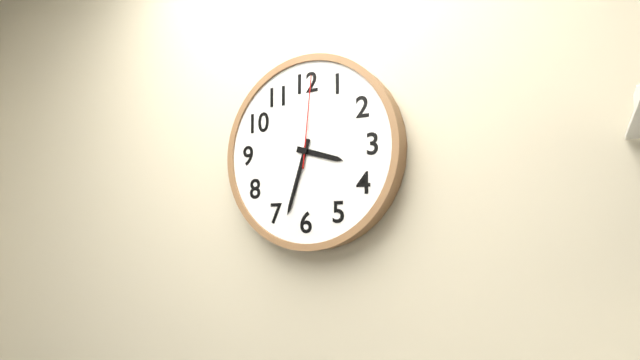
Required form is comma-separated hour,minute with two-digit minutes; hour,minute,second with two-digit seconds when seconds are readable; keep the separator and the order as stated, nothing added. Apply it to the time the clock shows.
3,33,01
